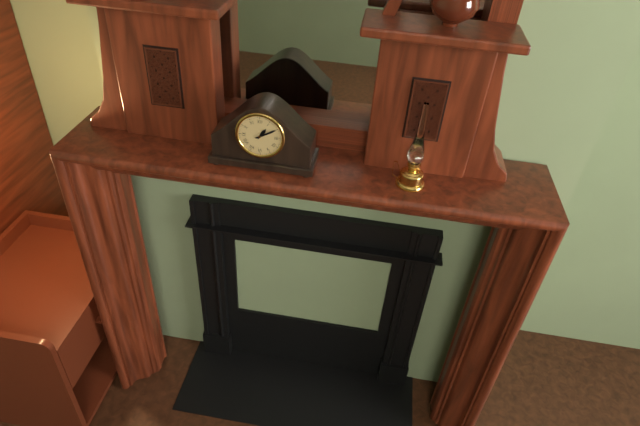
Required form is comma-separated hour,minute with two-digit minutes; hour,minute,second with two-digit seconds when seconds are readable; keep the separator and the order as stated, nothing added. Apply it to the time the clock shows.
1,10
